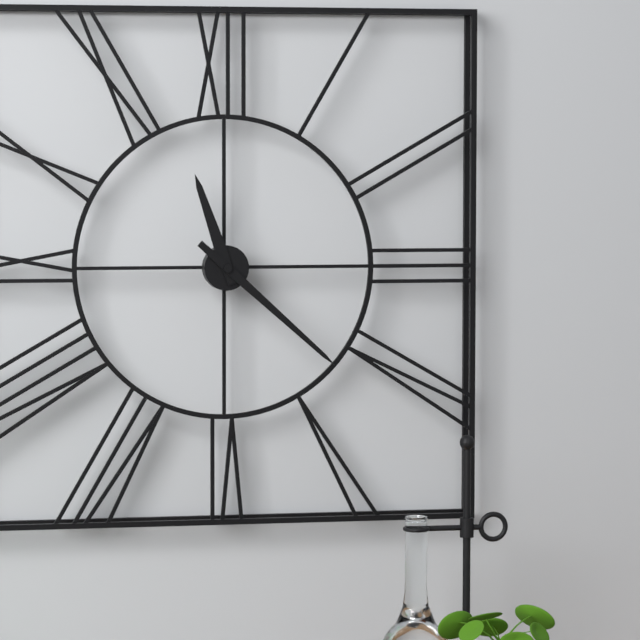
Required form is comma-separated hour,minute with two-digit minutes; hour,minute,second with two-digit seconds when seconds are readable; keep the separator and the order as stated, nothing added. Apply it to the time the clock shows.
11,22
